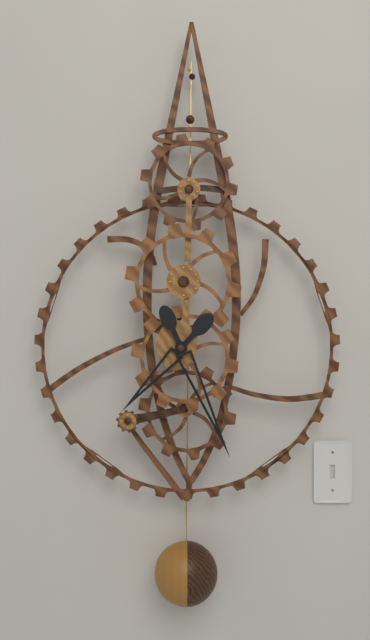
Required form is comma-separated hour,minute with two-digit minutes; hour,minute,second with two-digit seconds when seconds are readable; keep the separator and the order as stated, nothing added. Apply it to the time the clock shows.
7,26
